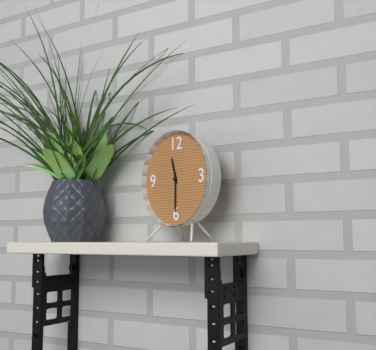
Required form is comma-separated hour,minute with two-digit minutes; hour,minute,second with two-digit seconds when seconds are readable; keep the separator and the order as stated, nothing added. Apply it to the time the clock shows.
11,30
